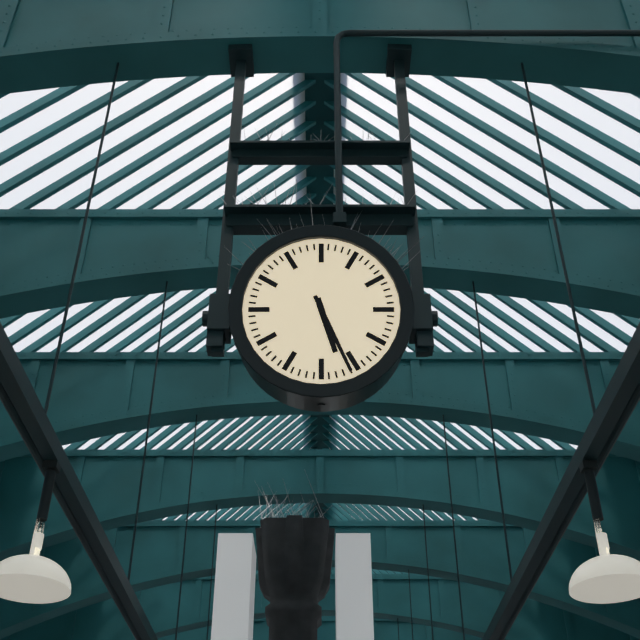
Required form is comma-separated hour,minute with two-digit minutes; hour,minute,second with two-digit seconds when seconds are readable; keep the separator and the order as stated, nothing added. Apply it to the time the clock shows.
5,26
